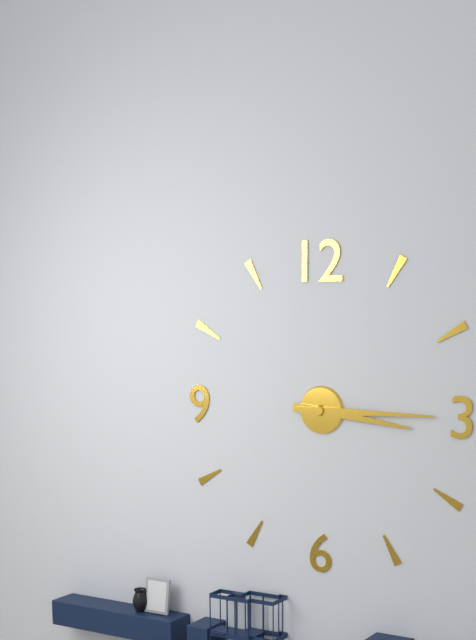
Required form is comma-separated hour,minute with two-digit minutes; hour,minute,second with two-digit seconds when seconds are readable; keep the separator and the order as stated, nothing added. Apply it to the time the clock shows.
3,15
